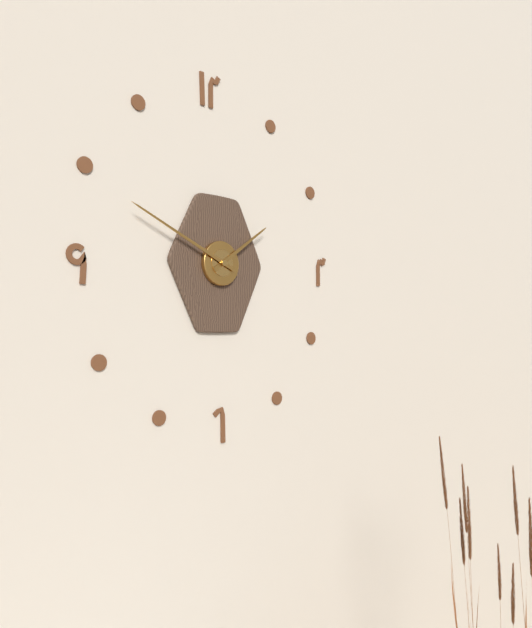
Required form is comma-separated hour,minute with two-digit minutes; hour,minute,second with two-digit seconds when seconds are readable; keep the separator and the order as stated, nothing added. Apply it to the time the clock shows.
1,49
